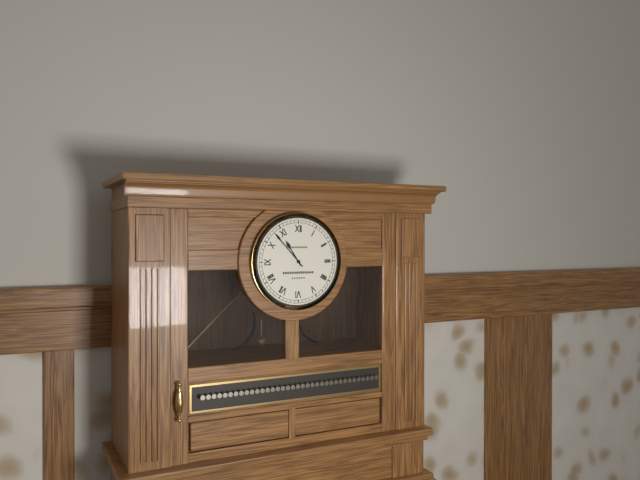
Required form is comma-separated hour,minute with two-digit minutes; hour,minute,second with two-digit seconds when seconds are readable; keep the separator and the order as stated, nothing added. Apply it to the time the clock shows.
10,53
